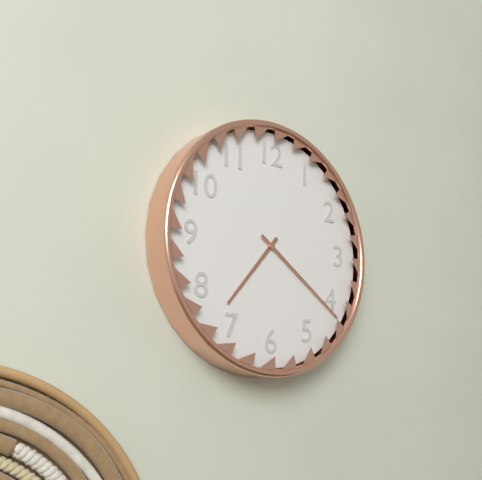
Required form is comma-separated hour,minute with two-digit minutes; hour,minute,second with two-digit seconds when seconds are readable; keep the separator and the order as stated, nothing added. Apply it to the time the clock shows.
7,21
